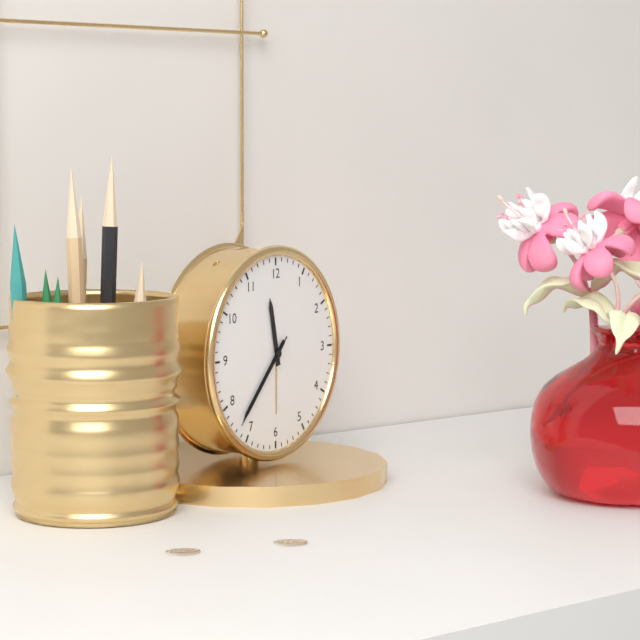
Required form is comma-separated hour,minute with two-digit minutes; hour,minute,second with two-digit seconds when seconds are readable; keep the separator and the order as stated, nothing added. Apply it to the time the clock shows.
11,37,37
